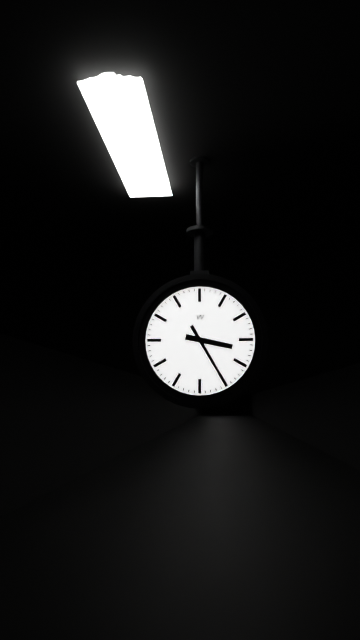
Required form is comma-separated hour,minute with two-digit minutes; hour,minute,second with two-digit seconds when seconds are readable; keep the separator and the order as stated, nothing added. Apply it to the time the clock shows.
3,25
